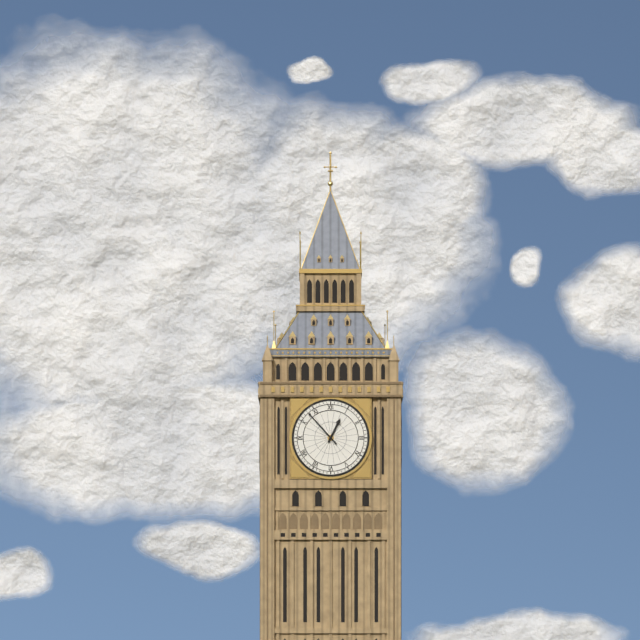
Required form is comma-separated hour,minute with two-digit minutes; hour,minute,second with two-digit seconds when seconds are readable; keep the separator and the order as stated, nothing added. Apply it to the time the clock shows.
12,53
